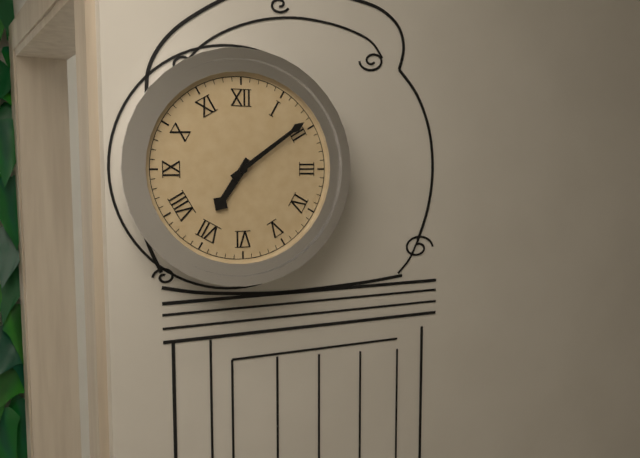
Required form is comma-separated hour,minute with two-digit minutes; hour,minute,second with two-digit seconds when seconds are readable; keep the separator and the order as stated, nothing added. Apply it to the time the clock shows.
7,09
